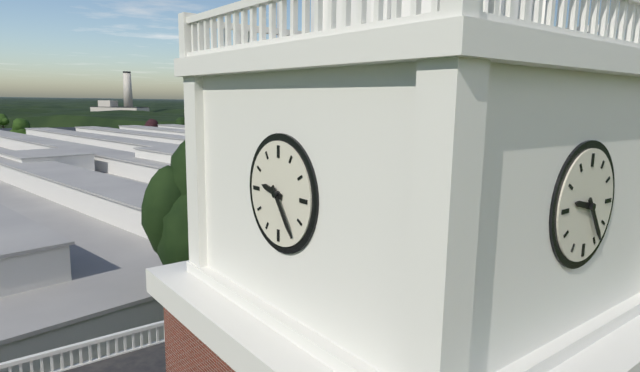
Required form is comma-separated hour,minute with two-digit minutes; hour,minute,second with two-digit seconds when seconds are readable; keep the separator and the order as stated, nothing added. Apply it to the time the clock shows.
9,24
